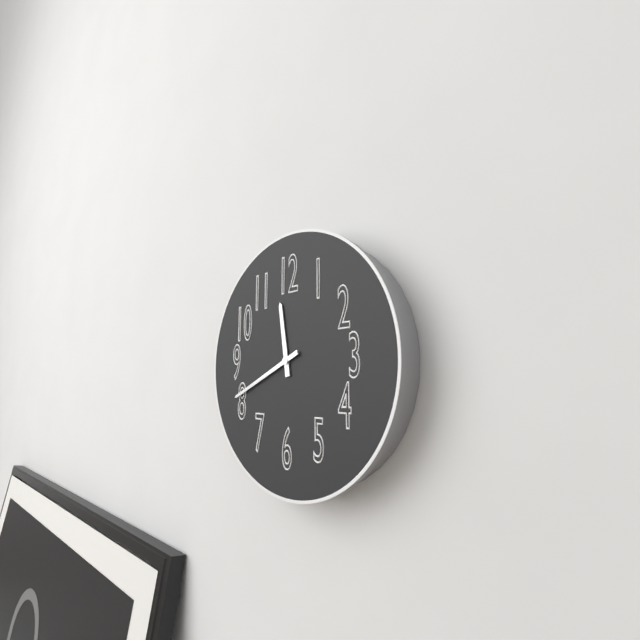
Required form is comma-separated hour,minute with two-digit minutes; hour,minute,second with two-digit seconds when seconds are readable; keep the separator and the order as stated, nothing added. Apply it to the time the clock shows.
11,41
